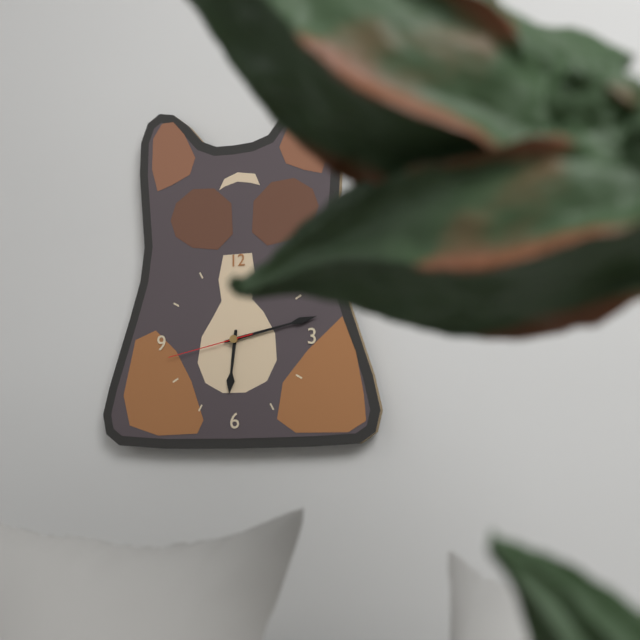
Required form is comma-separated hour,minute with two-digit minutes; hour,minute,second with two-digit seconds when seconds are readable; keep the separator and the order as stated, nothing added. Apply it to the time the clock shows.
6,13,43
